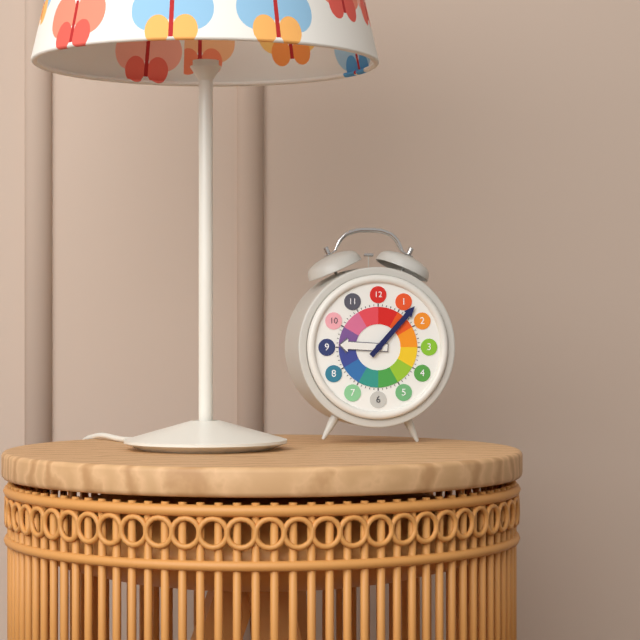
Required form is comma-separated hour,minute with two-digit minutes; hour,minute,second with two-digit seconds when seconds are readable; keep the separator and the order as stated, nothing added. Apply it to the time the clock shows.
9,07
